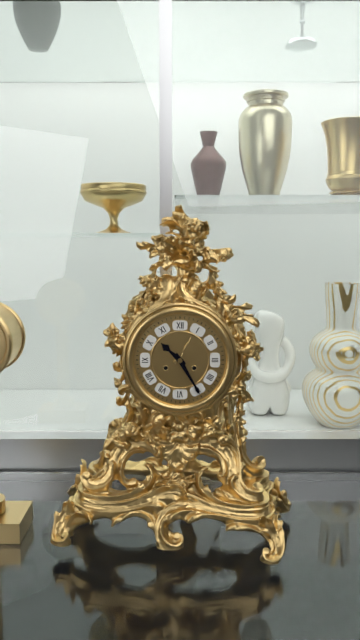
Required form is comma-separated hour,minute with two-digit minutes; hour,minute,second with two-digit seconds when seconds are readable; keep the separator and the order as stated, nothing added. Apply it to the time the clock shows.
10,25
